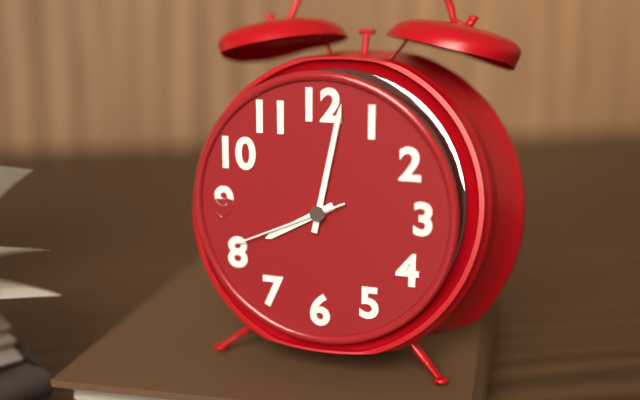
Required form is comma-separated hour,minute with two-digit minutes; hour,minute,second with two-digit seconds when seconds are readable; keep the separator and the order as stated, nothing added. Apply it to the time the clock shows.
8,02,41
